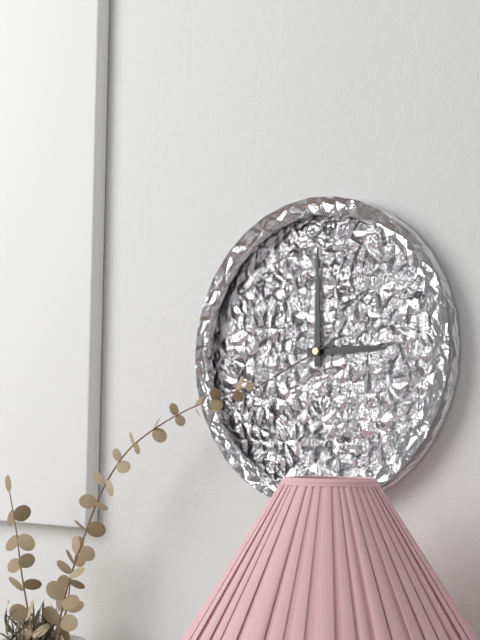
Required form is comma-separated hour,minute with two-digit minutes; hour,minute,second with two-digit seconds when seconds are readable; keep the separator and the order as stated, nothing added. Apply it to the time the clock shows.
3,00,41
